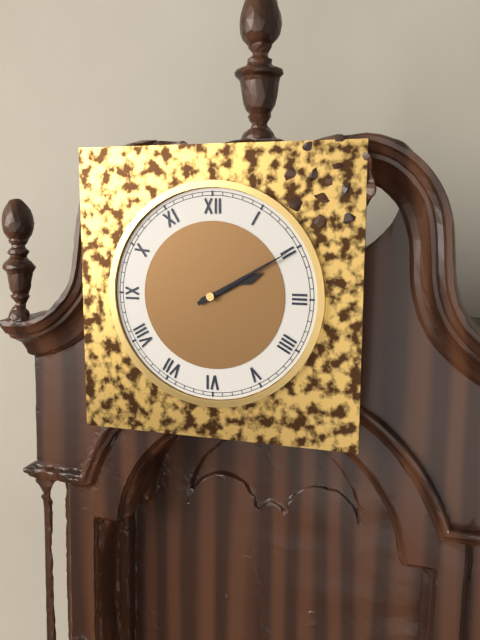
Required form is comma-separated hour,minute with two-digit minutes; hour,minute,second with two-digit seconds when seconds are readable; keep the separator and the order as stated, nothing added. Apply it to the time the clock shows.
2,10
